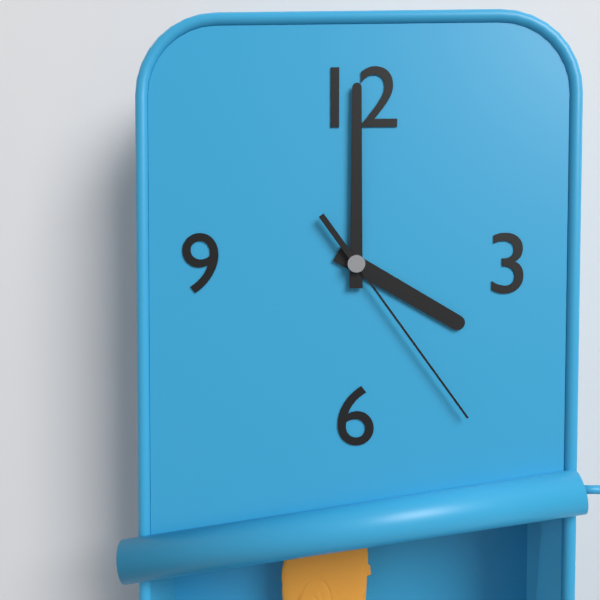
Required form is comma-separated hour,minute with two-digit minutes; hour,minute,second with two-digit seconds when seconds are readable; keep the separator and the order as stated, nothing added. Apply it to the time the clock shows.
4,00,24
